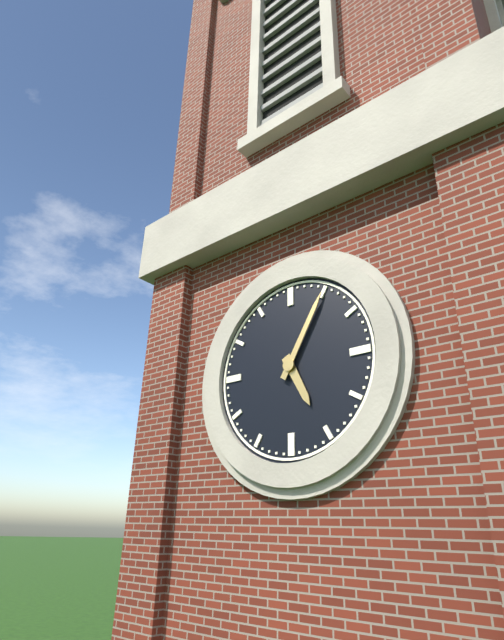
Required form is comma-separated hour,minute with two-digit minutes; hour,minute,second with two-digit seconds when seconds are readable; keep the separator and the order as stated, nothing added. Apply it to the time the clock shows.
5,05
